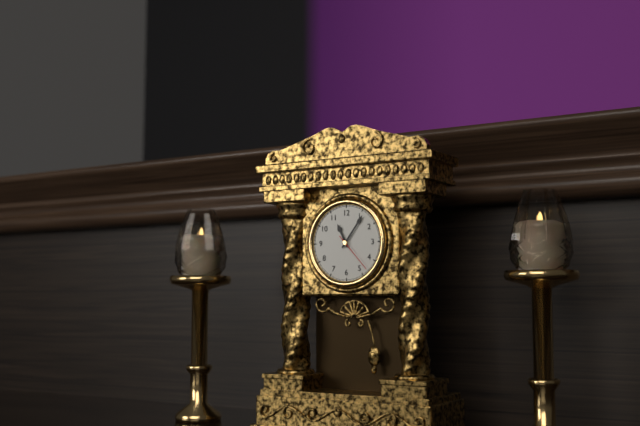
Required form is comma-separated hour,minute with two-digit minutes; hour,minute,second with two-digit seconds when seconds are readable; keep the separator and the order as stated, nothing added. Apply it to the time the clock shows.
11,06
